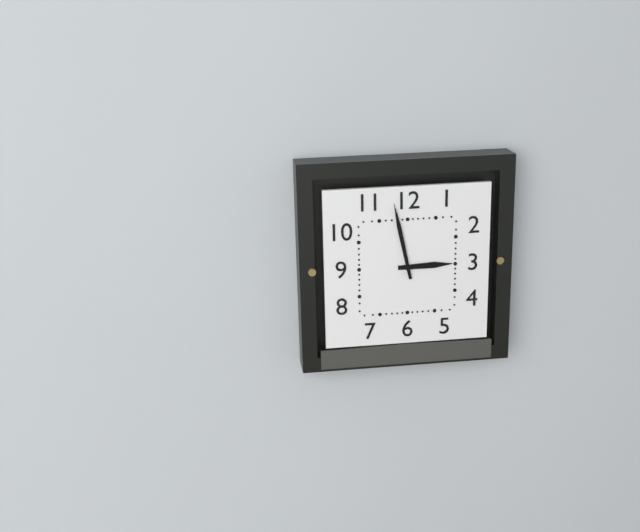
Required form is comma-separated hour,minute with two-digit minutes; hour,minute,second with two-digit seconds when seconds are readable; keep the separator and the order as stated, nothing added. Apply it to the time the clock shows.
2,58
